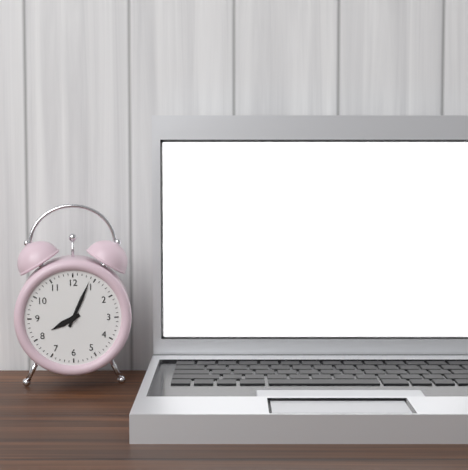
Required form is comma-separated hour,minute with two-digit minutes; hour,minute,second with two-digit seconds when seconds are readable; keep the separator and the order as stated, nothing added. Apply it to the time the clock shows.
8,04
